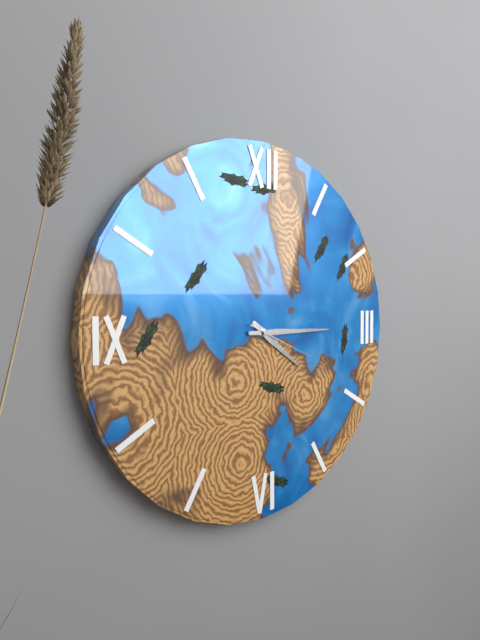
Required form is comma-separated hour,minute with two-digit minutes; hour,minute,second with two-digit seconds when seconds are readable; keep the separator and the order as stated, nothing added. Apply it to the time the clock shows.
4,15,19
